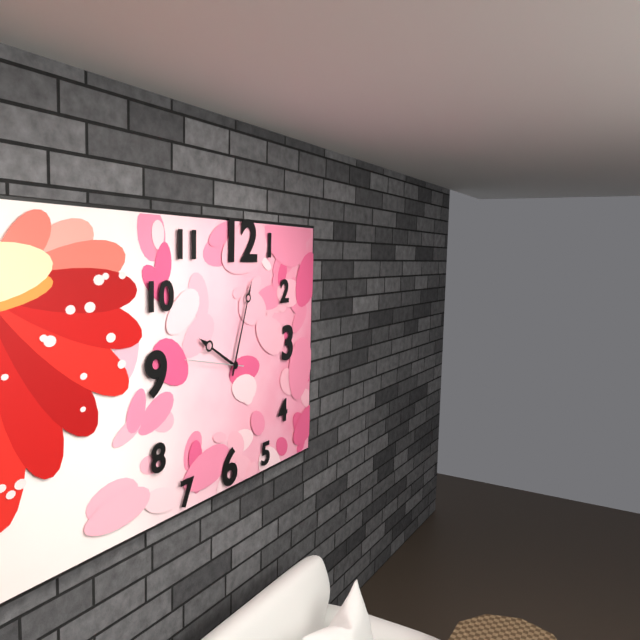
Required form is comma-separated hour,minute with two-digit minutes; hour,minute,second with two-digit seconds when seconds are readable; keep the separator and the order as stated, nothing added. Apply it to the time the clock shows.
10,03,47
